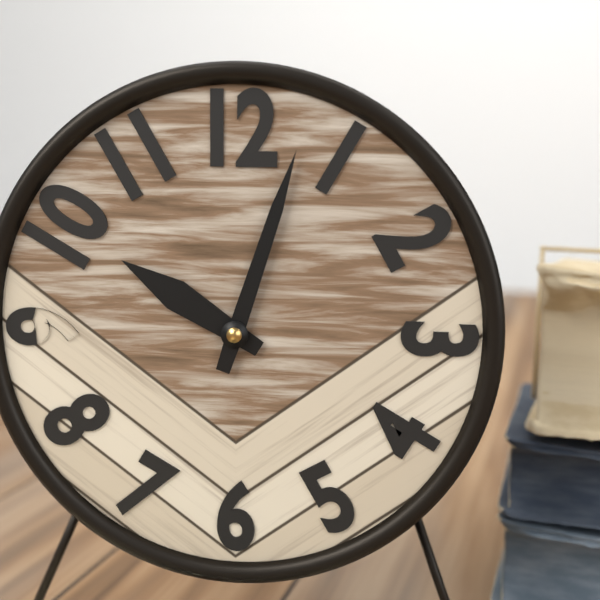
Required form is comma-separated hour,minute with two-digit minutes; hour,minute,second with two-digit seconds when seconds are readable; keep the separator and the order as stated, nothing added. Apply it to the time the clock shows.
10,03
